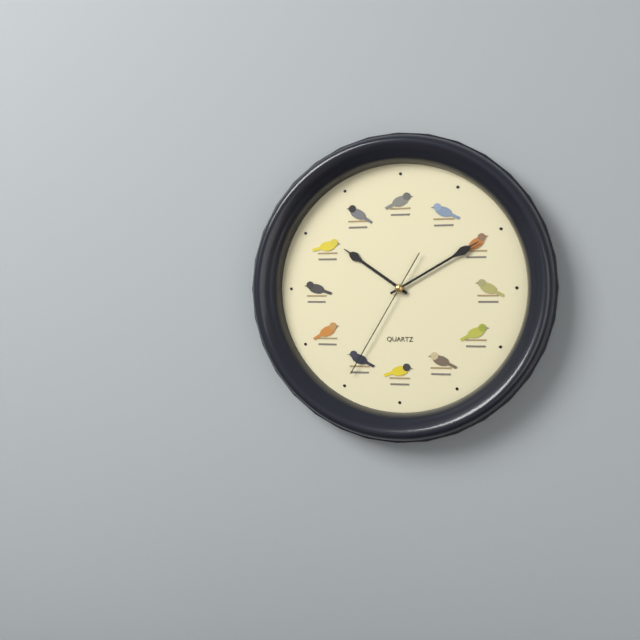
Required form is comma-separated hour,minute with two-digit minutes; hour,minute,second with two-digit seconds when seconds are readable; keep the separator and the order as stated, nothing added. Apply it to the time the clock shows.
10,10,35
